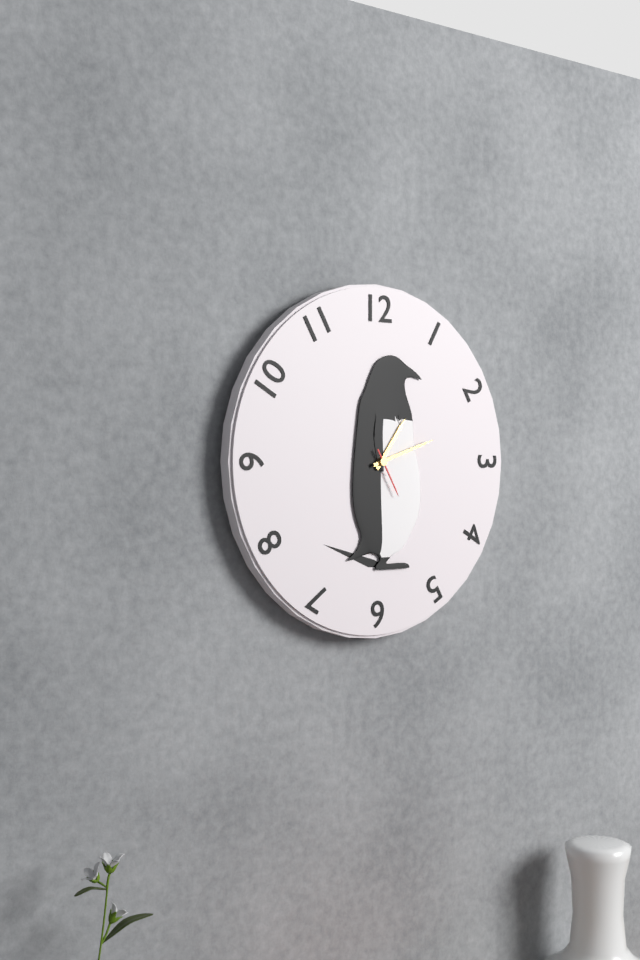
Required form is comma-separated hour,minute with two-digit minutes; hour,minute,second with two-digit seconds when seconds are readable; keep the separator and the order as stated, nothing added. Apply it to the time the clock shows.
1,12,25
